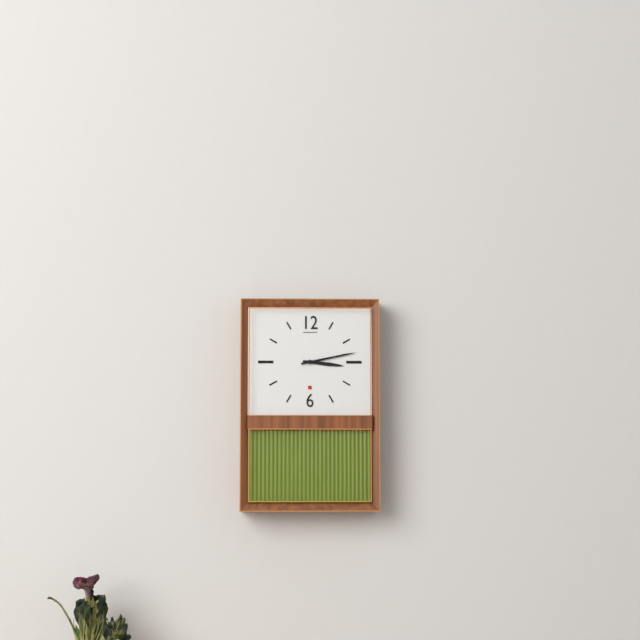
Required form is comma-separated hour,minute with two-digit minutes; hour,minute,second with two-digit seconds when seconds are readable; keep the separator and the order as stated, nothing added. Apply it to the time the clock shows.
3,13
